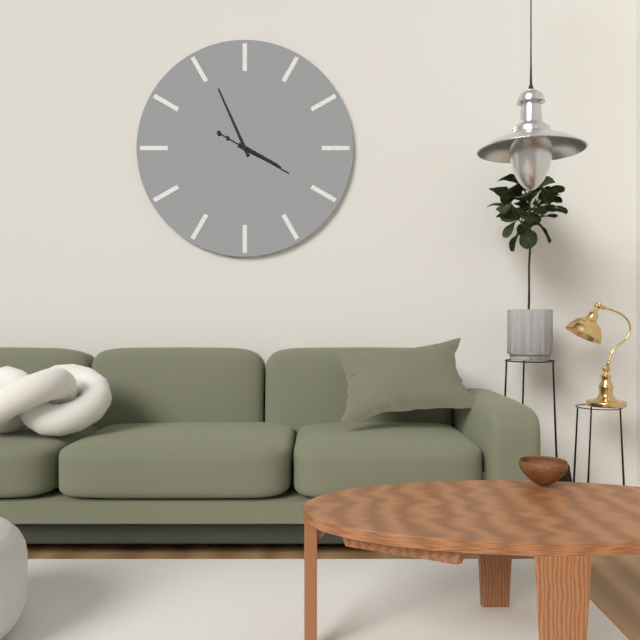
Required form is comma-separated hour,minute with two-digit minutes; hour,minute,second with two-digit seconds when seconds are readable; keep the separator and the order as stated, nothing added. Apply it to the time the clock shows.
3,56,20
